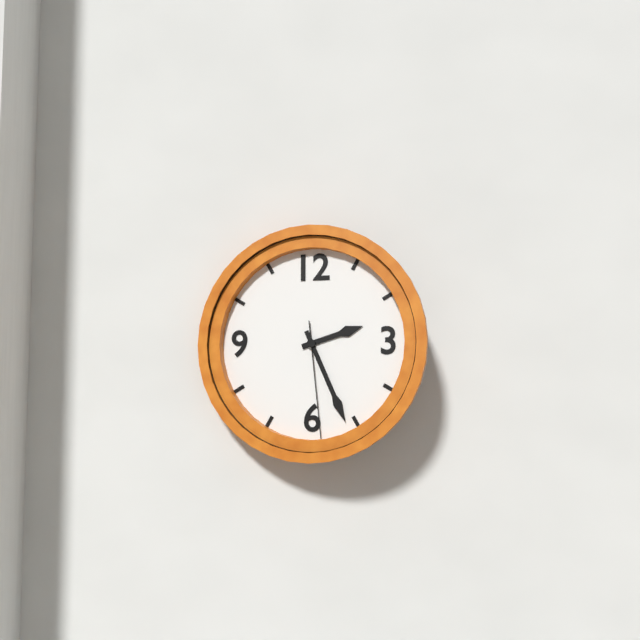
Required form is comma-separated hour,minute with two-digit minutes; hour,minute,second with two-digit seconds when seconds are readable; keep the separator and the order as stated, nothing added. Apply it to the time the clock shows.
2,26,29
